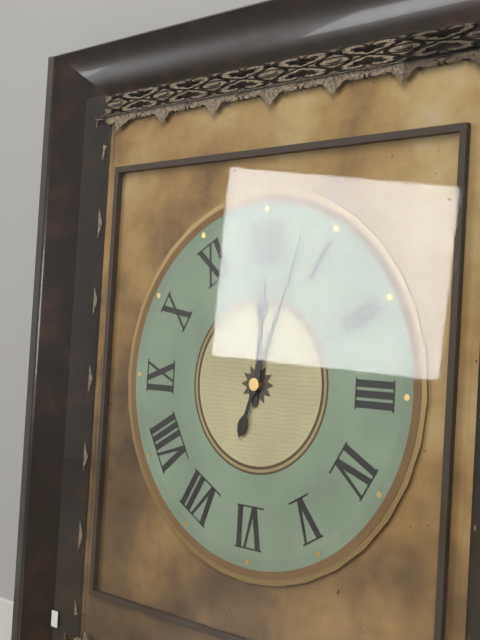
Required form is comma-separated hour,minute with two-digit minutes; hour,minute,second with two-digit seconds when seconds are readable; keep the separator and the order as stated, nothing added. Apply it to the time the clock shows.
12,03
